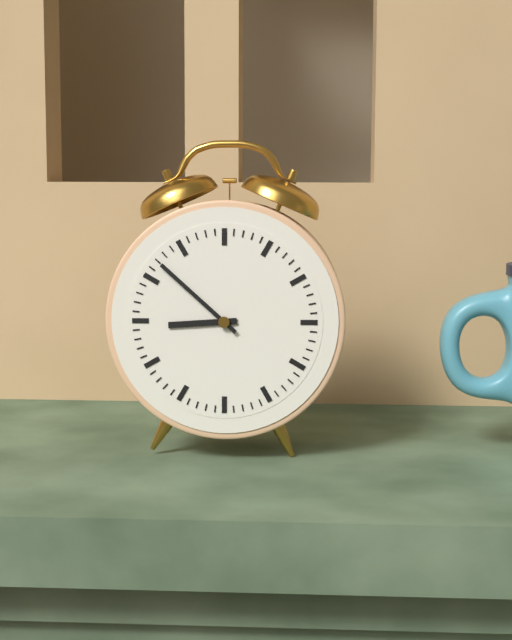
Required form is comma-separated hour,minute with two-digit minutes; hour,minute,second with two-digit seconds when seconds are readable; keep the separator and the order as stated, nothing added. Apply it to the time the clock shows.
8,52
